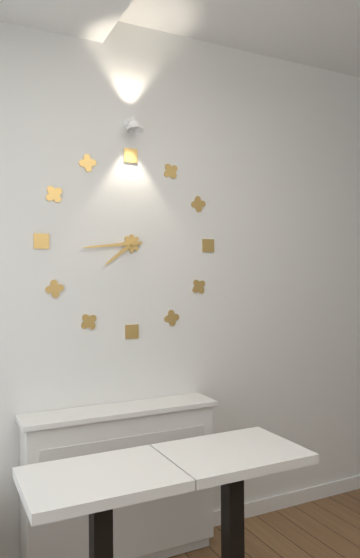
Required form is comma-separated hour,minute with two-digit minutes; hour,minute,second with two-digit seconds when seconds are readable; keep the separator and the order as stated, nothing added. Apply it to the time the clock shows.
7,44
